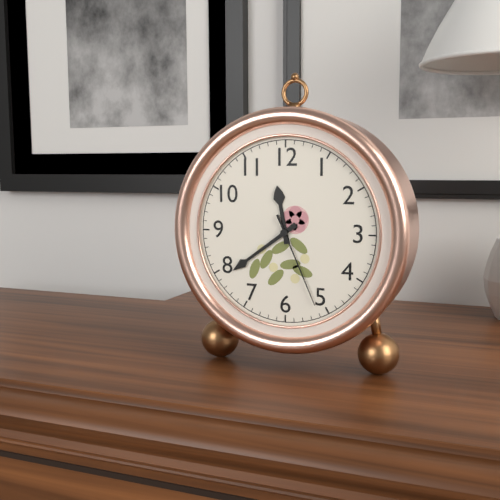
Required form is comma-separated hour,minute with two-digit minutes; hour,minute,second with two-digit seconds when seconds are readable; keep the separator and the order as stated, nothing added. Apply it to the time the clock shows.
11,39,26
